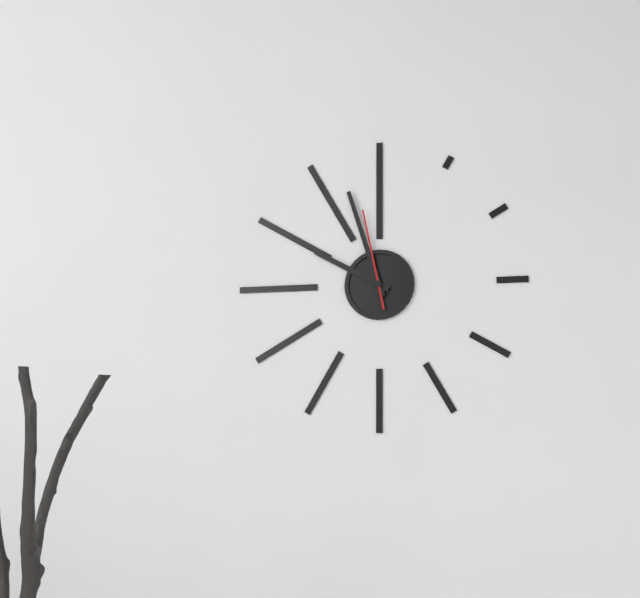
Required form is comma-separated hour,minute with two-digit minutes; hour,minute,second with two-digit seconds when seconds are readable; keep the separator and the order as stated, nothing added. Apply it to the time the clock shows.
9,57,58
